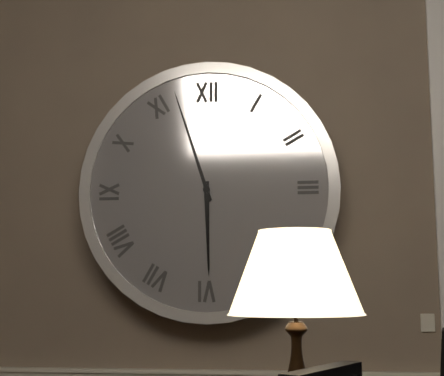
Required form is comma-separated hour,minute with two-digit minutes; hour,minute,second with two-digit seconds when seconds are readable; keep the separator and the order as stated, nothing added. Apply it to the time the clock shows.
5,57
